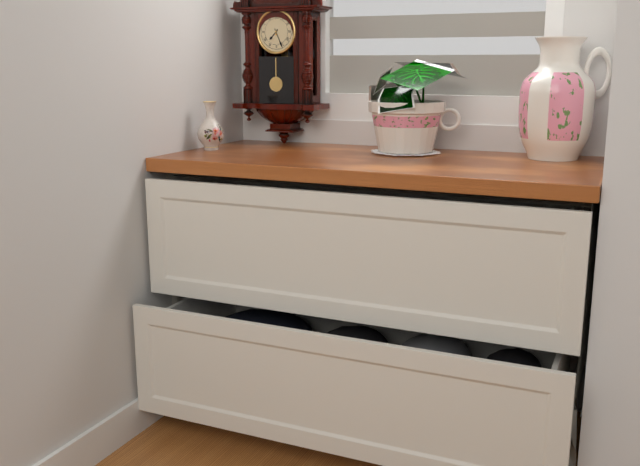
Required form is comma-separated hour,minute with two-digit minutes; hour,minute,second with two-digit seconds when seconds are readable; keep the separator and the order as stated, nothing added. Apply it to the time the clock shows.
7,26
